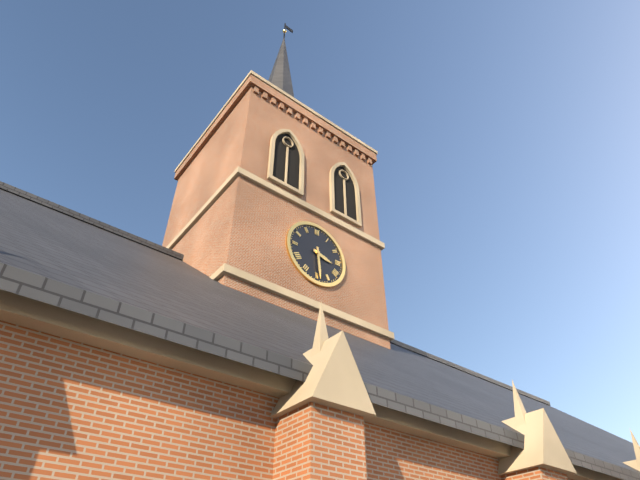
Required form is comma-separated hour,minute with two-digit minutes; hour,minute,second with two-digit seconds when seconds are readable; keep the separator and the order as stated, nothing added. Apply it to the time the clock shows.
3,29
